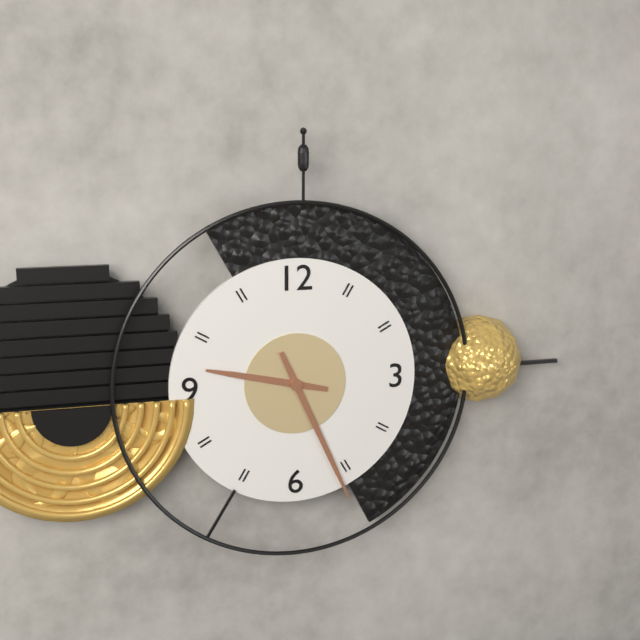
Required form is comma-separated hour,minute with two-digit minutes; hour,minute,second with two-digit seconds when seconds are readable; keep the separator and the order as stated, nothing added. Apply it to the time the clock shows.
9,26
